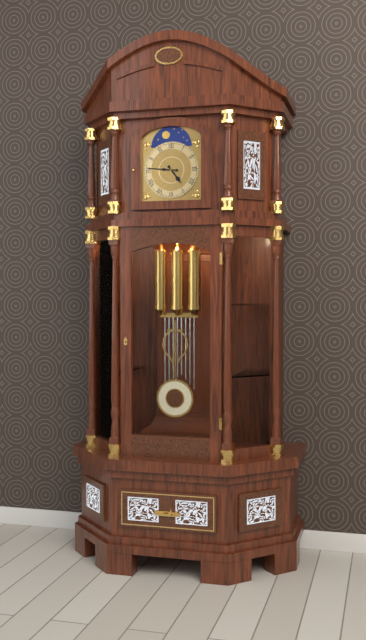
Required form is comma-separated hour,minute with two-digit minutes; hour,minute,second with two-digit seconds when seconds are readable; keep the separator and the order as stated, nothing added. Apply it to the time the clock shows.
4,46
